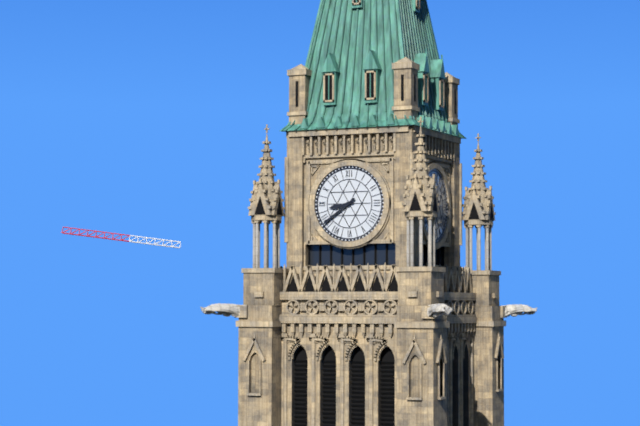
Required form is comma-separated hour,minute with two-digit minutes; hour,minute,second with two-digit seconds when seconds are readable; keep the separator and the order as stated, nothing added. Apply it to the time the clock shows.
8,39
